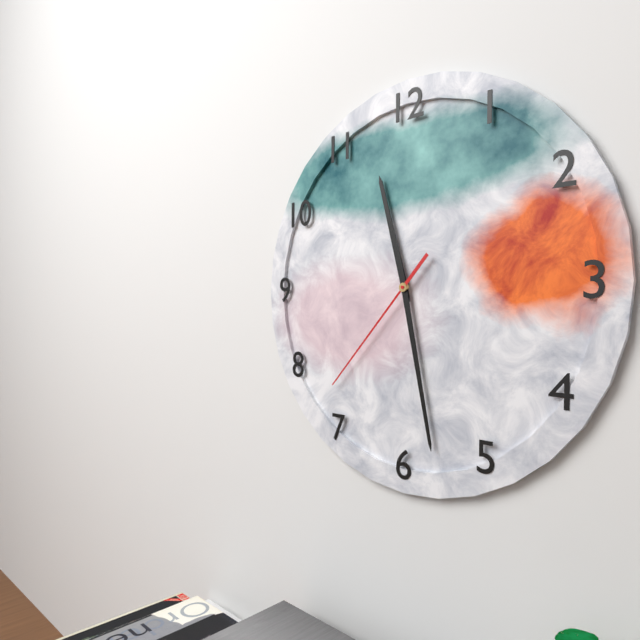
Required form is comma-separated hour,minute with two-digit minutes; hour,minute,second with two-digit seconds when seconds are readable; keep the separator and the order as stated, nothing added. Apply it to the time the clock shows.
11,28,37
